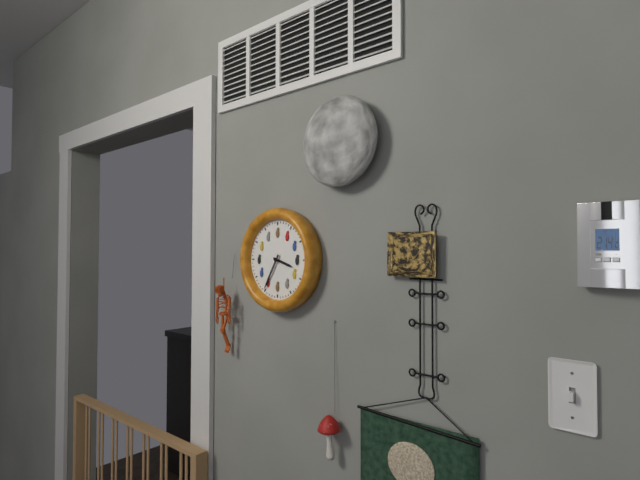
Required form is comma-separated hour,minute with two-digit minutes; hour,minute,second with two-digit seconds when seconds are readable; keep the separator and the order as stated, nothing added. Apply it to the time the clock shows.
3,35
